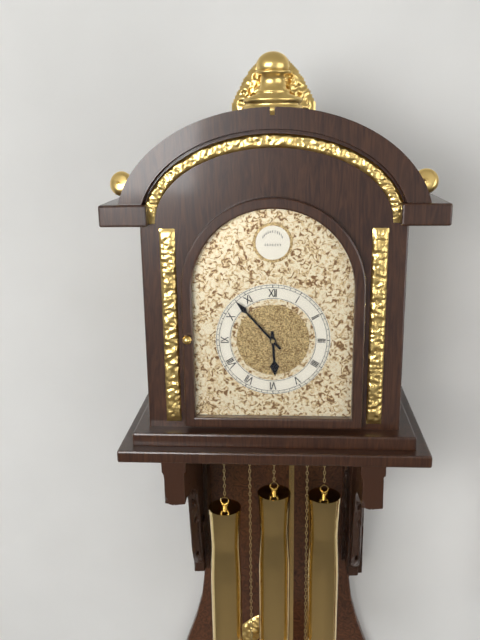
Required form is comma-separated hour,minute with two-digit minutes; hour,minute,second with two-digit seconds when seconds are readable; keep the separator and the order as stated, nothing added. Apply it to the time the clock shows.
5,53
